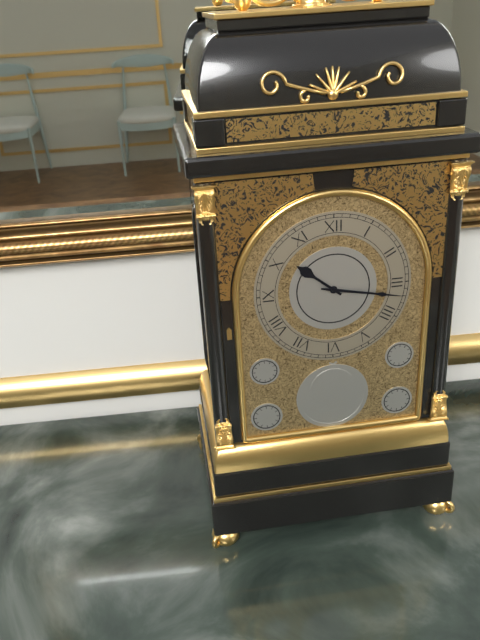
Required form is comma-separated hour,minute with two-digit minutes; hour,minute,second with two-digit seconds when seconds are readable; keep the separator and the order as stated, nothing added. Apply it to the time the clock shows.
10,17
